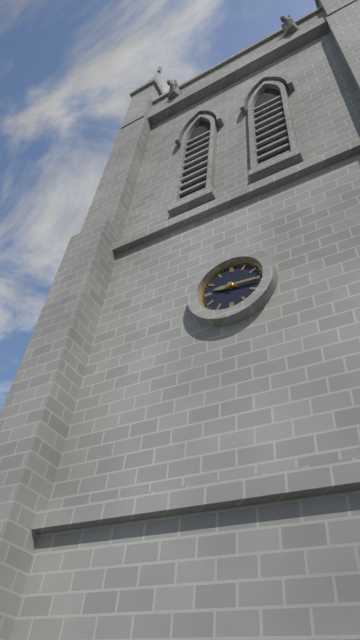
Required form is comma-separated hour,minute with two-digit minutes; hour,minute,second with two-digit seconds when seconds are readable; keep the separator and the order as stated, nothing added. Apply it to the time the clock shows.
9,16
